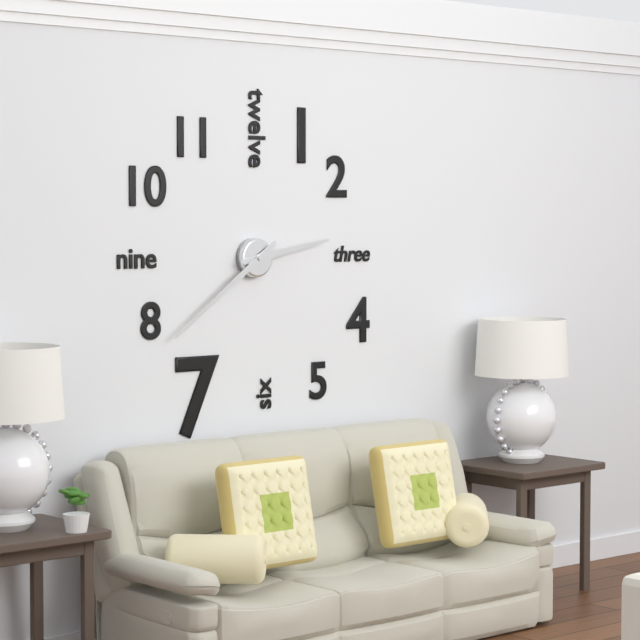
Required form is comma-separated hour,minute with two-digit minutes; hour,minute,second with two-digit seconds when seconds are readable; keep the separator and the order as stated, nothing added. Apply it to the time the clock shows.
2,39
